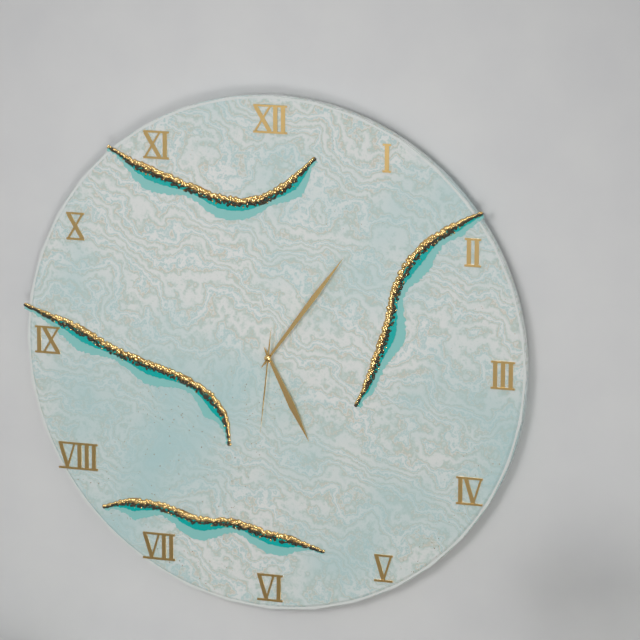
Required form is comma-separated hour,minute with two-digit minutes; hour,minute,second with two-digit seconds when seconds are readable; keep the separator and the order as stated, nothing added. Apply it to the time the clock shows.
5,06,31
